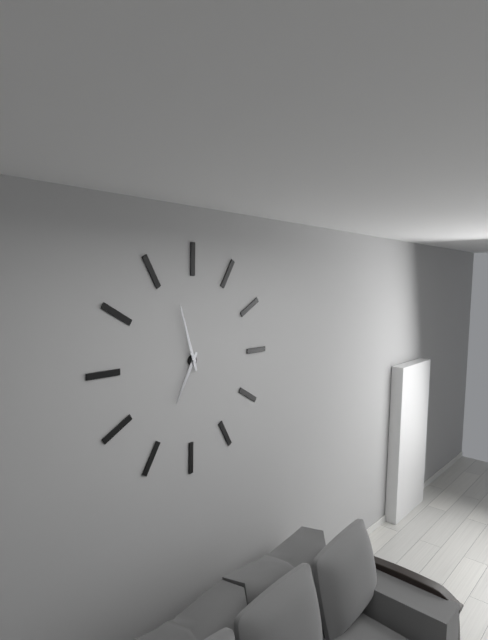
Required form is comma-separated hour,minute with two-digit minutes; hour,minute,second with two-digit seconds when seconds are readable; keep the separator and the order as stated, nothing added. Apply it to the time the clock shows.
6,57
